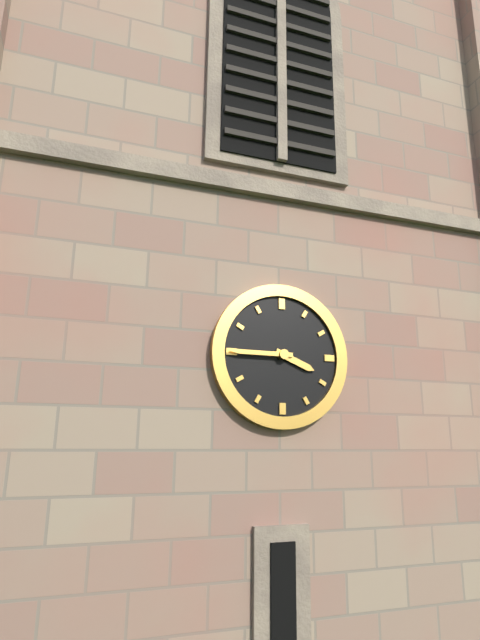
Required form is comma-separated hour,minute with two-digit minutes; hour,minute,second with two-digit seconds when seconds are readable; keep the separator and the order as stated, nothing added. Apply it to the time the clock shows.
3,45
